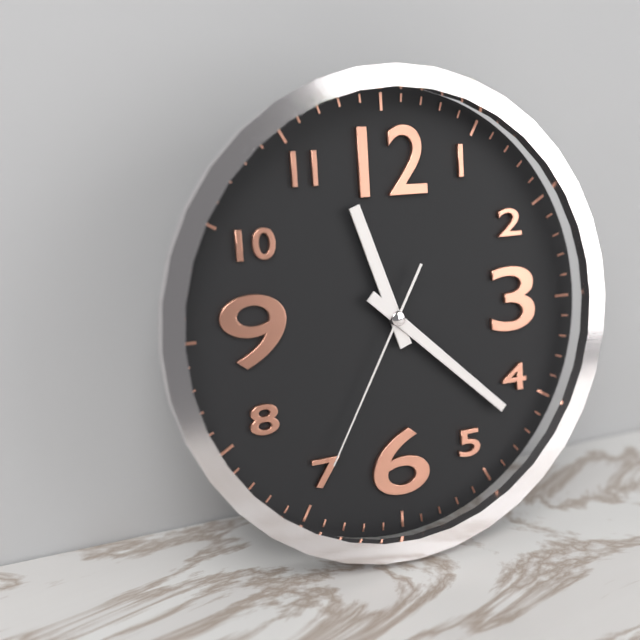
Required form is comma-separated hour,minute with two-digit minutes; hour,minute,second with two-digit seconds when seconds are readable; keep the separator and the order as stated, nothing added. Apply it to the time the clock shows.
11,22,35
